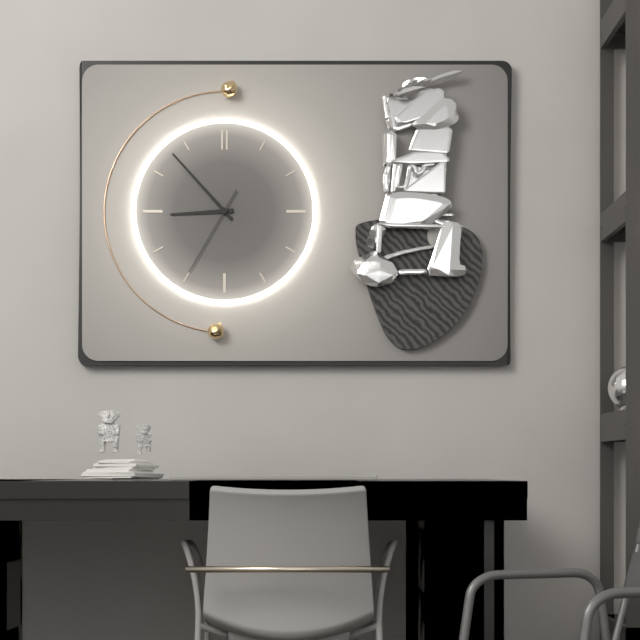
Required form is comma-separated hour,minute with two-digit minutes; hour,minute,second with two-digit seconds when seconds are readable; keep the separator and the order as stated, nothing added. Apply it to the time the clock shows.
8,53,35
